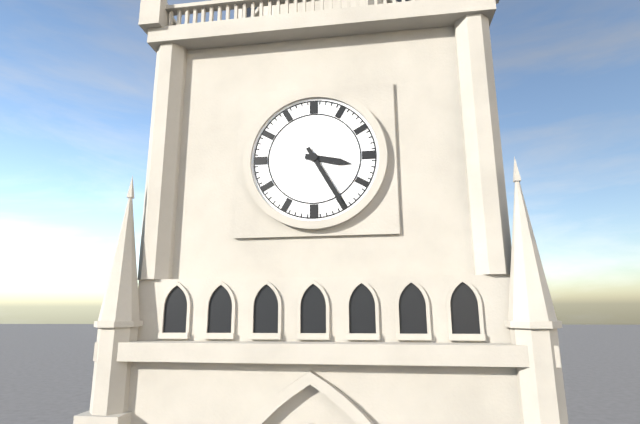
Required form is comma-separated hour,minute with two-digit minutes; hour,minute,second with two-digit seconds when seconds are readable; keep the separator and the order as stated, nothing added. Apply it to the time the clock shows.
3,25
